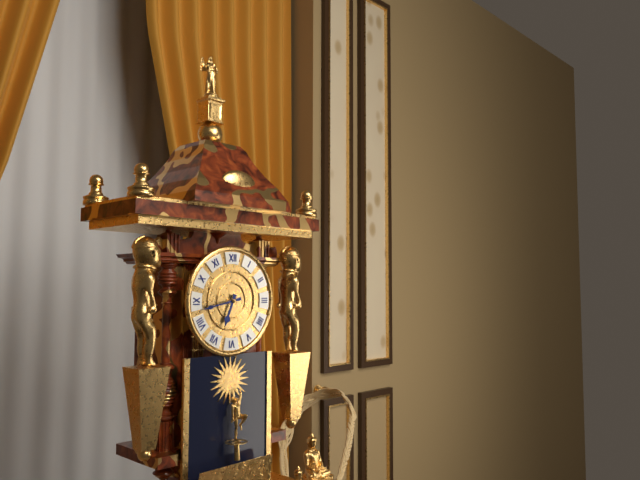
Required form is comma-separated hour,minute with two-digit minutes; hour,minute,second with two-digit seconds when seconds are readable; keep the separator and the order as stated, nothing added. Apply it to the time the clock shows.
6,43
